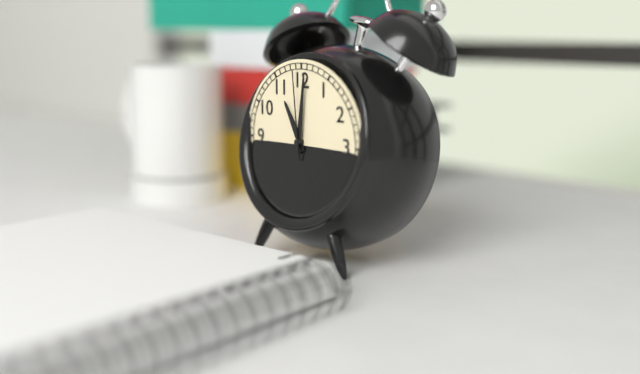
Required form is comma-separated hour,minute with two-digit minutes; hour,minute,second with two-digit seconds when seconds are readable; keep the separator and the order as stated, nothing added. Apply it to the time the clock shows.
11,01,59
